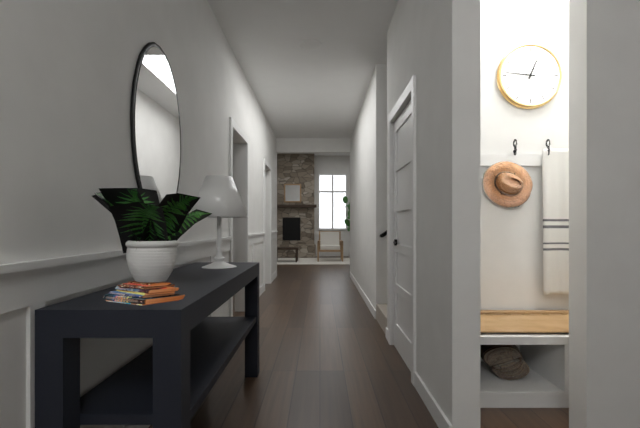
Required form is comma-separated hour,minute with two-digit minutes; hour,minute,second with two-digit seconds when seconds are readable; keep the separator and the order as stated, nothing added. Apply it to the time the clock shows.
12,46
